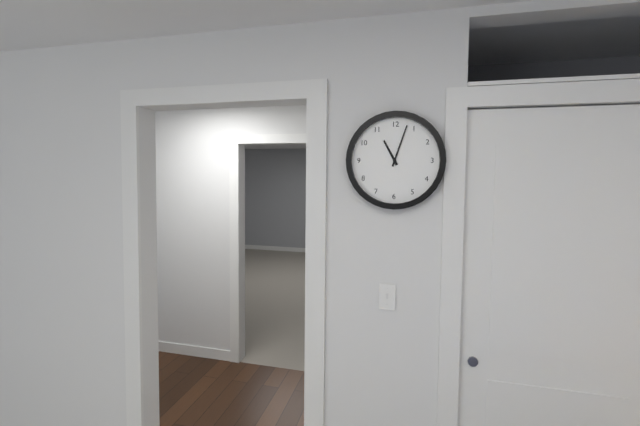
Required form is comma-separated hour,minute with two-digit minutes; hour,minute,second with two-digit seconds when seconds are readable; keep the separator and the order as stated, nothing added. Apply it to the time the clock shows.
11,03
